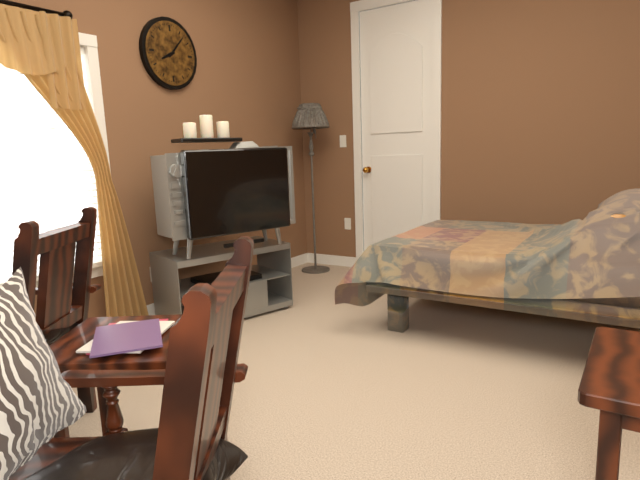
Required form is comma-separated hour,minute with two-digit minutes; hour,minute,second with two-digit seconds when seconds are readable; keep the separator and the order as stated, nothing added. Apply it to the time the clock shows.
8,07
